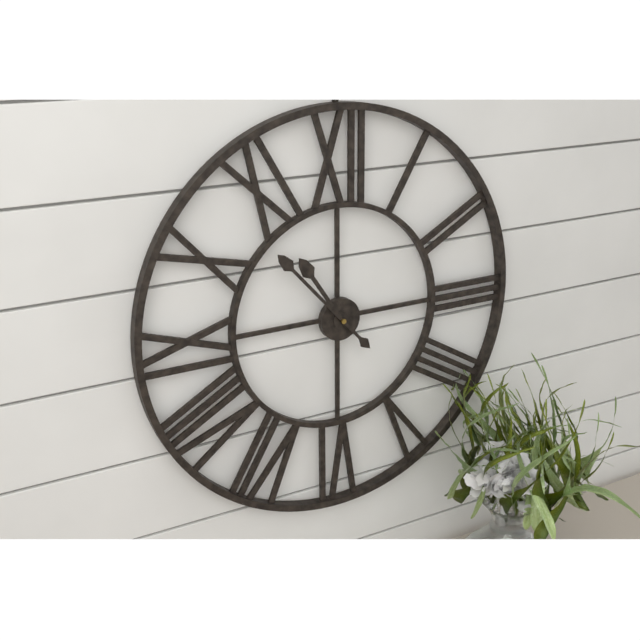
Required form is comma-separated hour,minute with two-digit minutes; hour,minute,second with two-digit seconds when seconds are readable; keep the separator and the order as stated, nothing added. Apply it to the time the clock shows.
10,53
